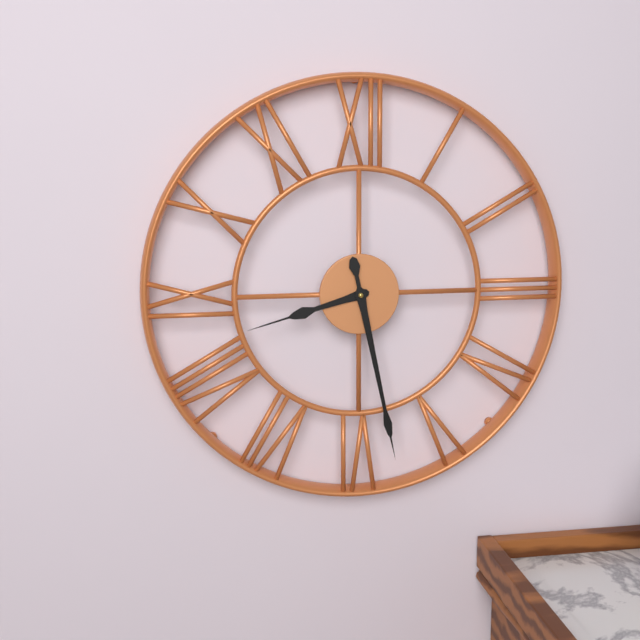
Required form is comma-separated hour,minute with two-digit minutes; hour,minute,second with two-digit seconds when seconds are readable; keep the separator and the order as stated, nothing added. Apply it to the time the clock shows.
8,28
